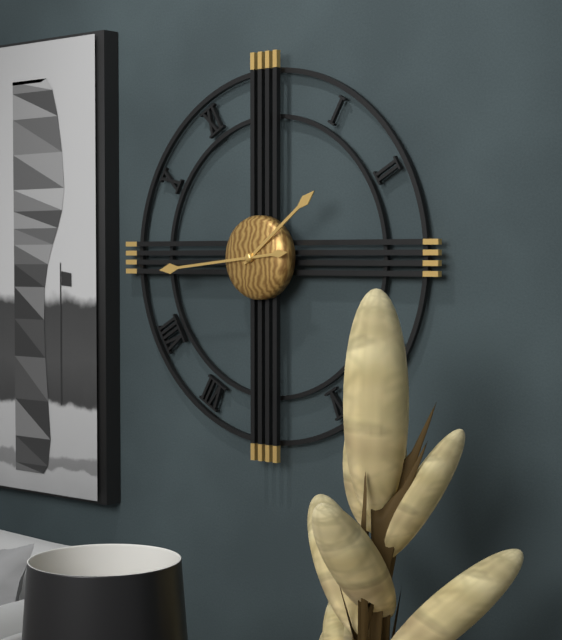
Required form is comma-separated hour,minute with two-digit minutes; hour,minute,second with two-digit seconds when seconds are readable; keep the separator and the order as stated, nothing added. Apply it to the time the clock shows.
1,44
